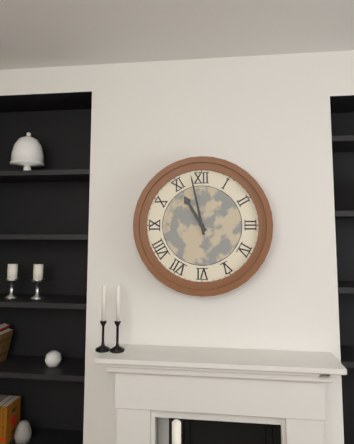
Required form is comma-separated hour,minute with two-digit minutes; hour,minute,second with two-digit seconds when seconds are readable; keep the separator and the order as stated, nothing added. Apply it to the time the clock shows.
10,58
